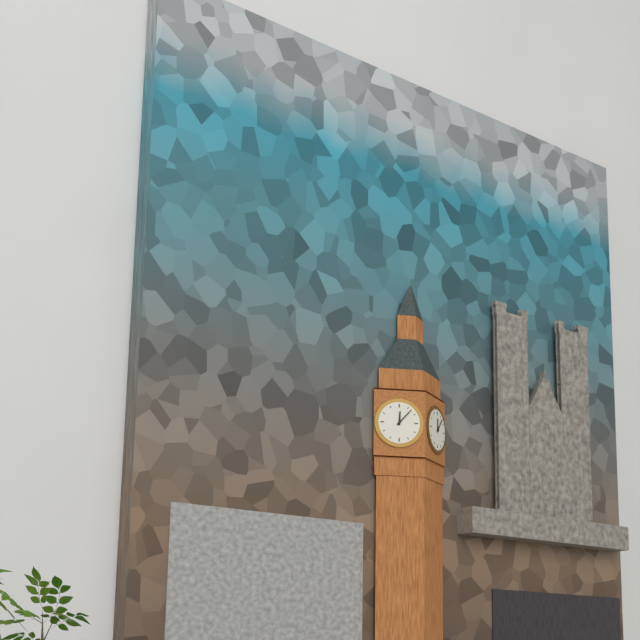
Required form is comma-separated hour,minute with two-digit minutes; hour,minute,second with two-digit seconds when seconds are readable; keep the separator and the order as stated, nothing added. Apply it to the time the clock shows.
12,07
